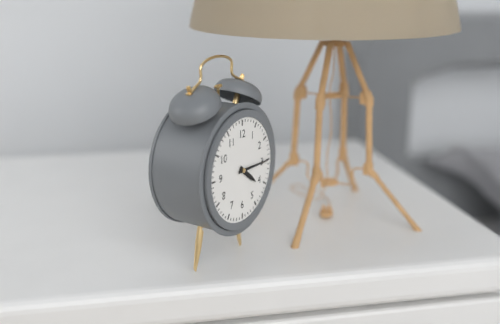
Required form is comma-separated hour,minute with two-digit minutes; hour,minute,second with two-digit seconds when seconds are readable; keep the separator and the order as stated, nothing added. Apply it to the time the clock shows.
4,15
